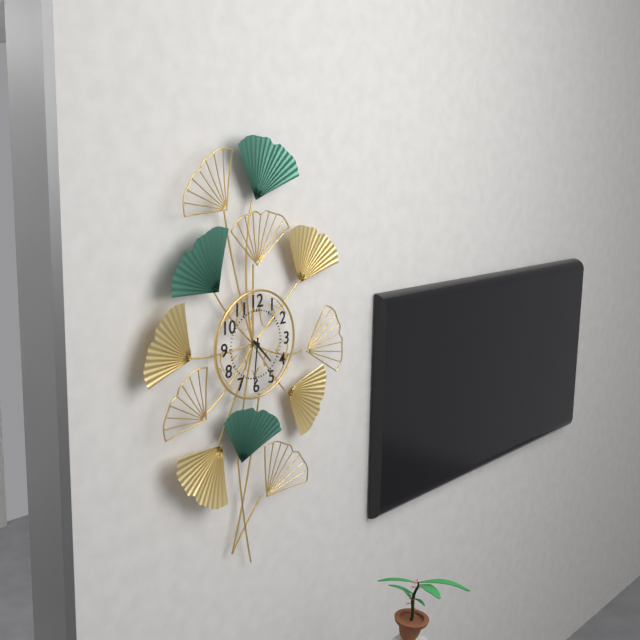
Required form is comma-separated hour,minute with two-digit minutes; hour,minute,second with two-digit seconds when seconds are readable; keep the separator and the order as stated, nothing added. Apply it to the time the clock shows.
4,31
